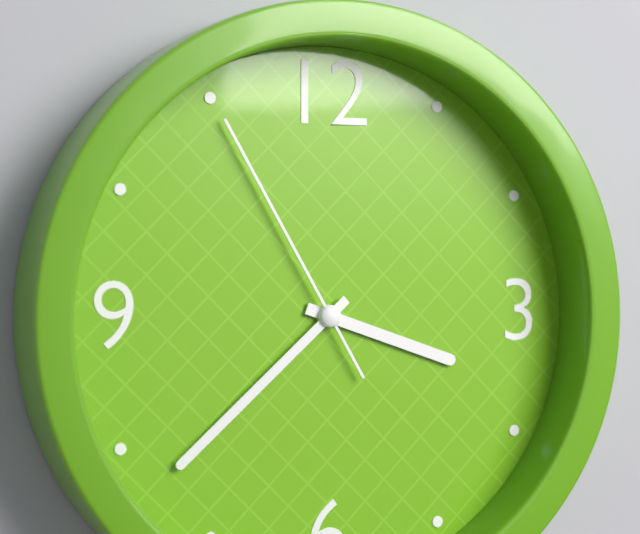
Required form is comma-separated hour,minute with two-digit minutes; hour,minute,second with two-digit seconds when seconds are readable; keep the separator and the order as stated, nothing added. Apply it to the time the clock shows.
3,38,55
